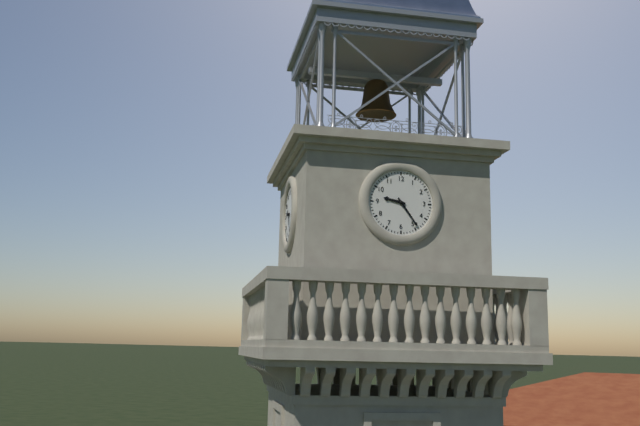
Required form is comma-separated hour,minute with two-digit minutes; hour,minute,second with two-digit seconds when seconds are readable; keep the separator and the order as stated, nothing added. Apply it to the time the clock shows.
9,24
